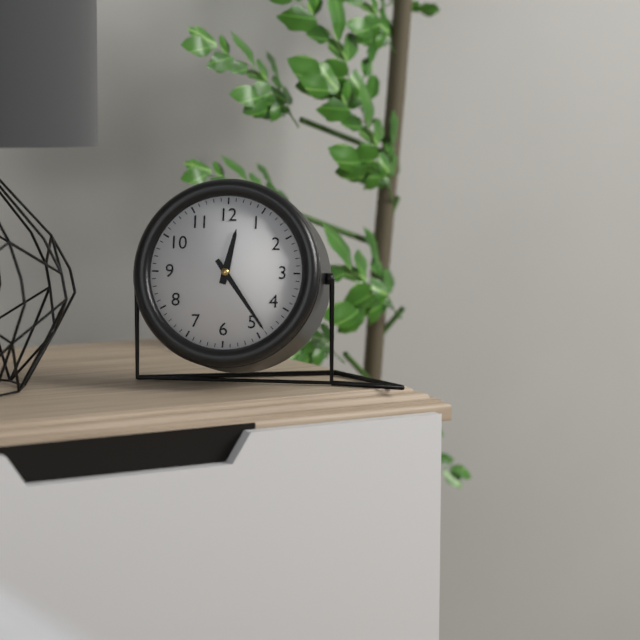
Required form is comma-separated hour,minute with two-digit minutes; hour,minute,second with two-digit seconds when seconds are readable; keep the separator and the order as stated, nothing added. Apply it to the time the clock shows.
12,24
